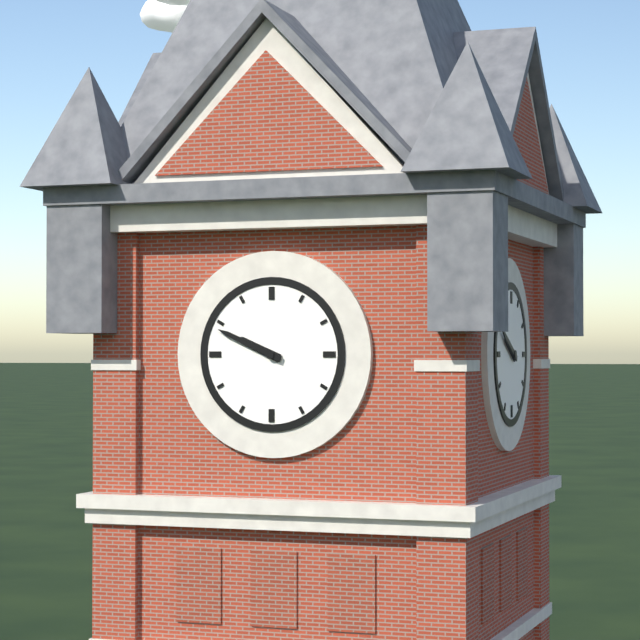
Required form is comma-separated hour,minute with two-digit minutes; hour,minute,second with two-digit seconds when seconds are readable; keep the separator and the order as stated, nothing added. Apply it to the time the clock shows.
9,49
